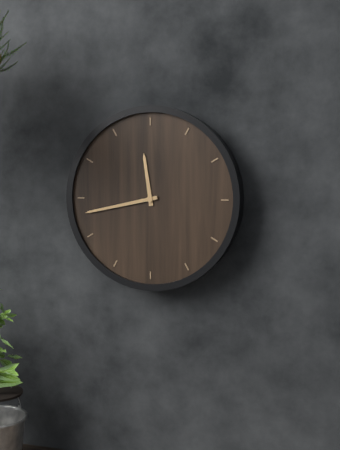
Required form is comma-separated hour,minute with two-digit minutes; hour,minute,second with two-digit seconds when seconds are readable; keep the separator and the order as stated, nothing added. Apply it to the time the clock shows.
11,43
